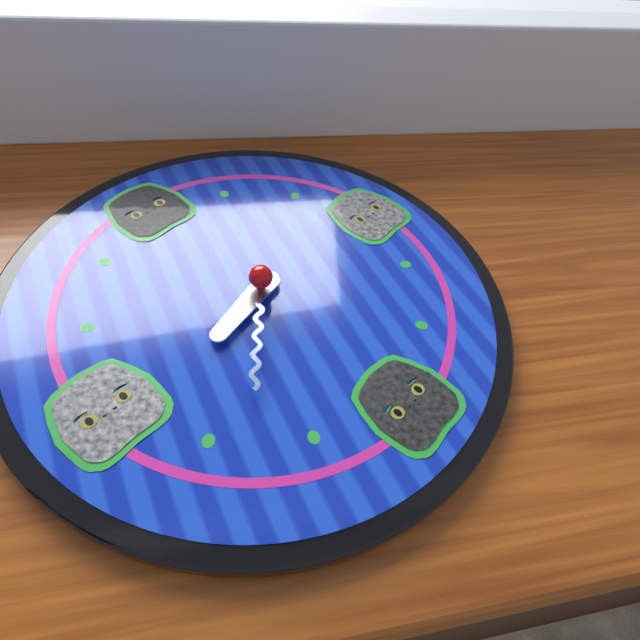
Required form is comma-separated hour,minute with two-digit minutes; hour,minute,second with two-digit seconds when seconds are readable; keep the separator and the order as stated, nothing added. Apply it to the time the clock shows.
8,38
